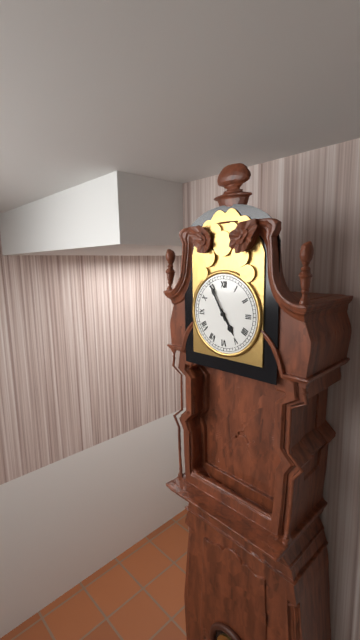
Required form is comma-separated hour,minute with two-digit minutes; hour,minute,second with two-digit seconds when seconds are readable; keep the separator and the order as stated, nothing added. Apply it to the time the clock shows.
4,55
